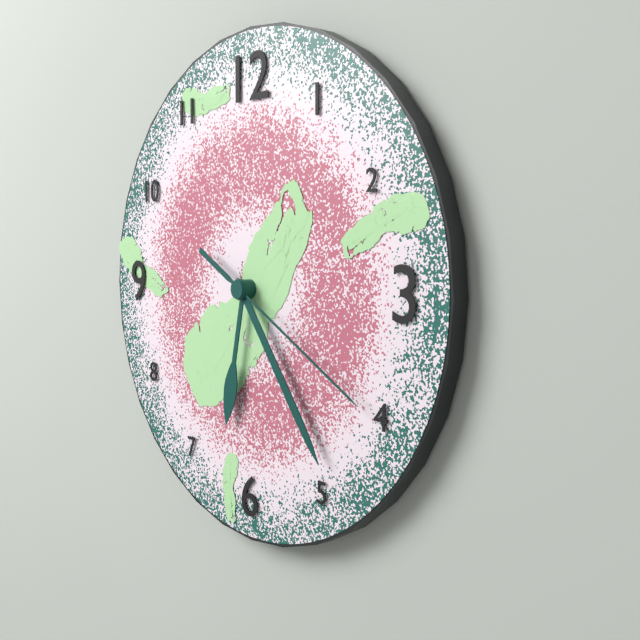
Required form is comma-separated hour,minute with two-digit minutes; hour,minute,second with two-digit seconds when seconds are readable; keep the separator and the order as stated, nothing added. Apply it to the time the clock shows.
6,24,20
